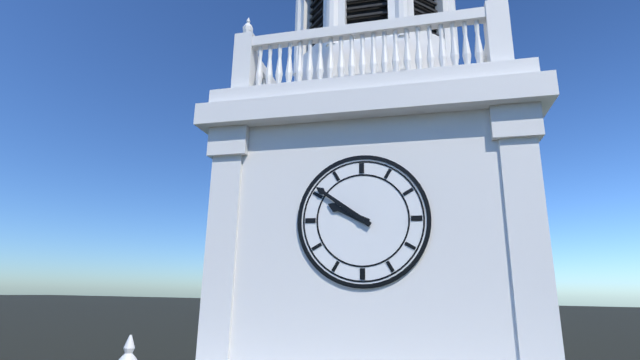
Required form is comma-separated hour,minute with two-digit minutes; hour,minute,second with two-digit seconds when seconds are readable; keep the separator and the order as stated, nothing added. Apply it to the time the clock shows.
9,51
